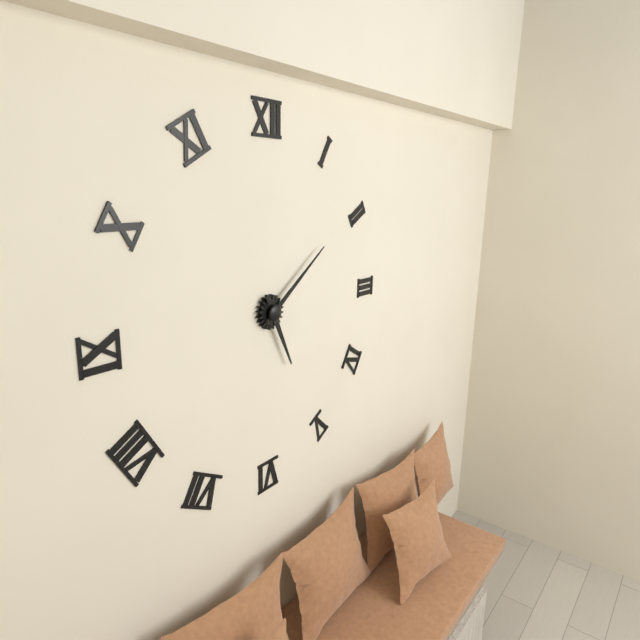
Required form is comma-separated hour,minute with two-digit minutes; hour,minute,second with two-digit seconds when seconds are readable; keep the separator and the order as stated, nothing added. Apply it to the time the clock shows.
5,09
